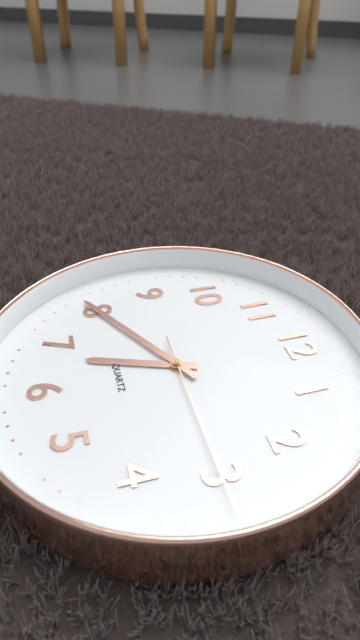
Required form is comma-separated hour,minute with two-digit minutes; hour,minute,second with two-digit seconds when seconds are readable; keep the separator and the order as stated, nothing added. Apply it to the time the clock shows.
6,40,15
